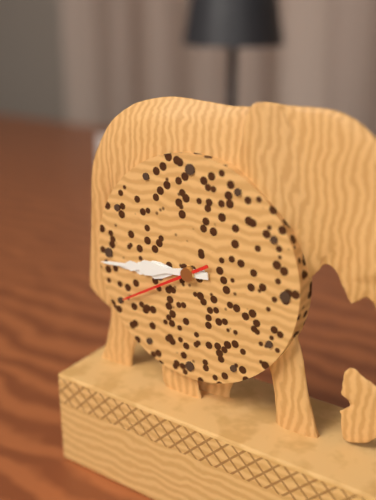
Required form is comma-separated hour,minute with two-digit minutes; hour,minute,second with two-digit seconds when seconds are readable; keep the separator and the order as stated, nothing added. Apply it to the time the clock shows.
8,44,40
